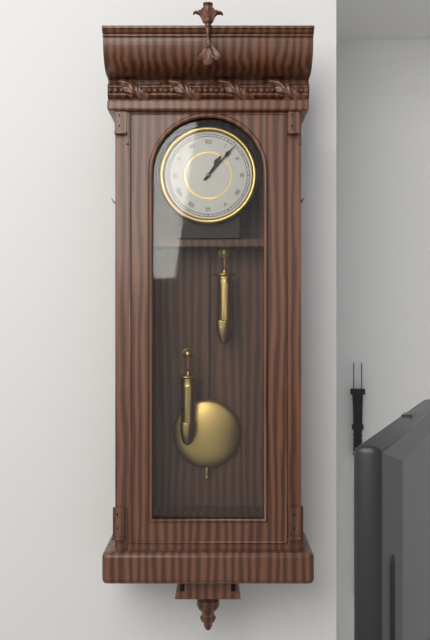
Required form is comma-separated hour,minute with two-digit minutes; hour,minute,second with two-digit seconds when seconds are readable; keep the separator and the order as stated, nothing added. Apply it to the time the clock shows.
1,07
